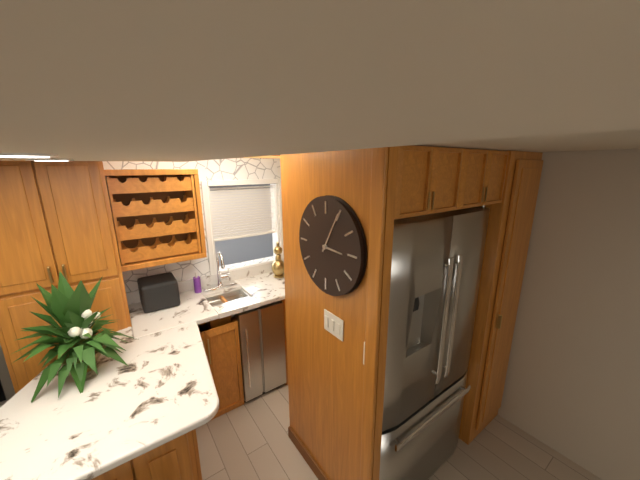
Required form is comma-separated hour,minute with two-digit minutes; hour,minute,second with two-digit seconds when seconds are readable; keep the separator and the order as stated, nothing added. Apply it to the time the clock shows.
3,05
